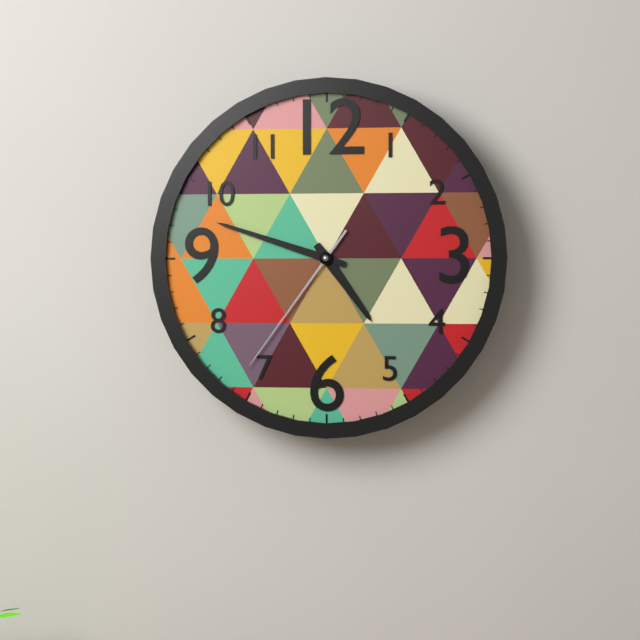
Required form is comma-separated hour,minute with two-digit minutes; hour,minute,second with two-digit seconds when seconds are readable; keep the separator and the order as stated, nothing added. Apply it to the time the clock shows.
4,48,36
